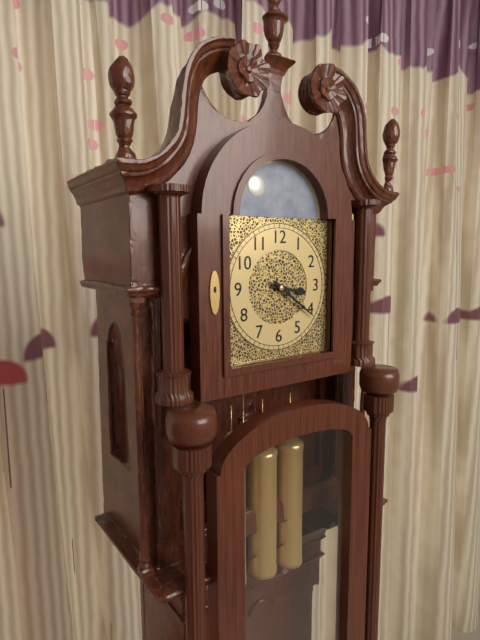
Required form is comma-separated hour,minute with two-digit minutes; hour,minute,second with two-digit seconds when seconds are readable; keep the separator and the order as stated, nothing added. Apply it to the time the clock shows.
3,21
